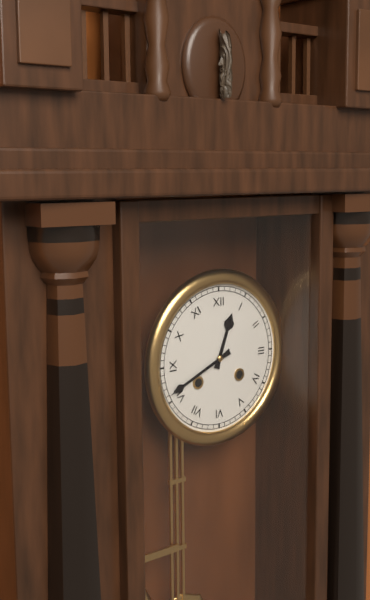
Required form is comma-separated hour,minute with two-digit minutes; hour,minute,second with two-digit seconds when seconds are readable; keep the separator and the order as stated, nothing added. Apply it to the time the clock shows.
12,41
